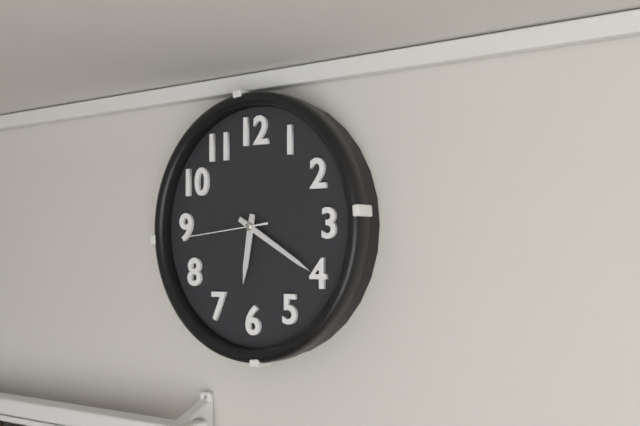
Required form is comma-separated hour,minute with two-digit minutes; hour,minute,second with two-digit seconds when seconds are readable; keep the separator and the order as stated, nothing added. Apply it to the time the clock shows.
6,20,44
